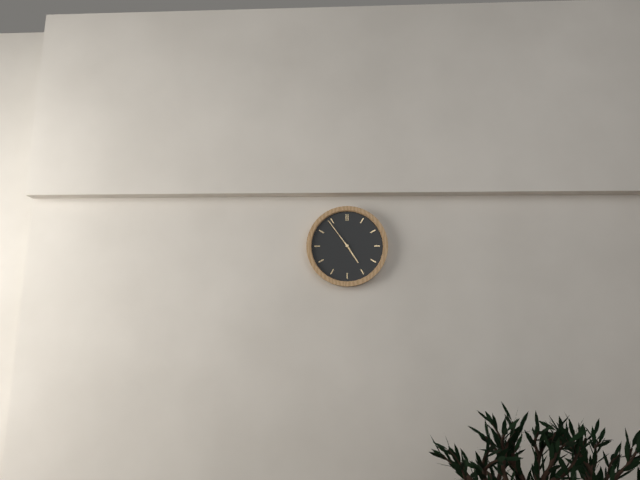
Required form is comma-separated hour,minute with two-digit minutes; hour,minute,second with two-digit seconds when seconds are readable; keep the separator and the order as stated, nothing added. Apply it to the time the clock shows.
4,54
